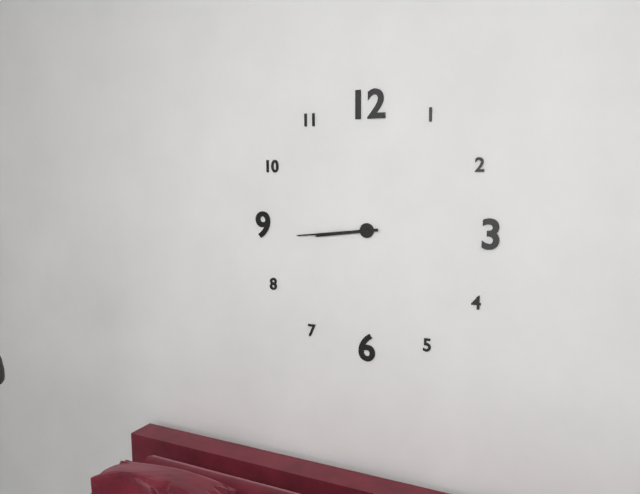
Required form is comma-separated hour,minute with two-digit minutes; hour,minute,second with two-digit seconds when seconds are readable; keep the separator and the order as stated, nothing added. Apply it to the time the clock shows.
8,44
